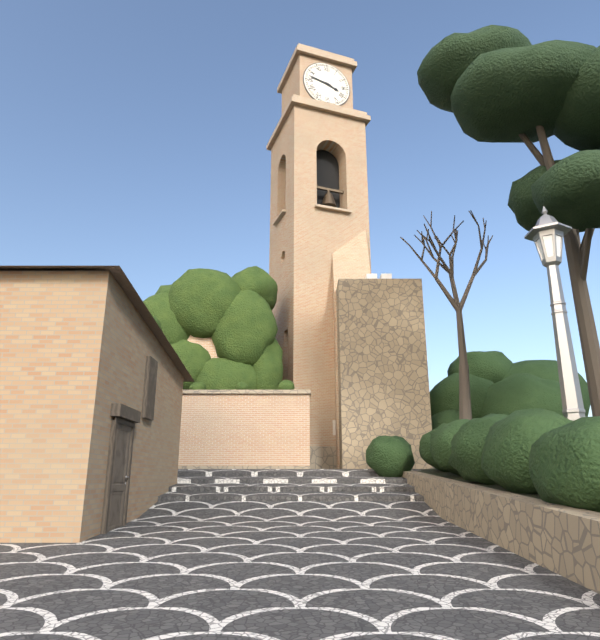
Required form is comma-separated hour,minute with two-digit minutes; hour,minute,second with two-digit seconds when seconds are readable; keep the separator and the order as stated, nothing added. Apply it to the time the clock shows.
3,47
